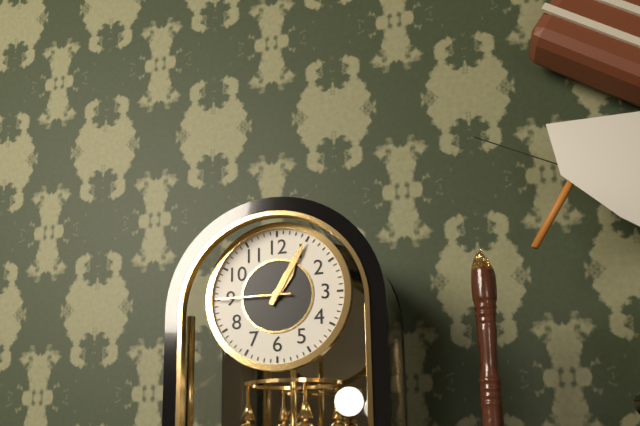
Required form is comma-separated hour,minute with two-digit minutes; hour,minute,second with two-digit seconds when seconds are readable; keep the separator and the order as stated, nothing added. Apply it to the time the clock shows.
1,05,45
